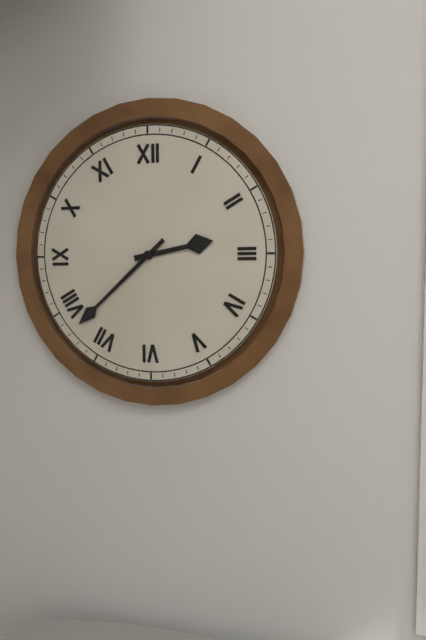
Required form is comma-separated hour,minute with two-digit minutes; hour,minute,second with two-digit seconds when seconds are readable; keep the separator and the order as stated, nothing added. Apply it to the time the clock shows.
2,38
